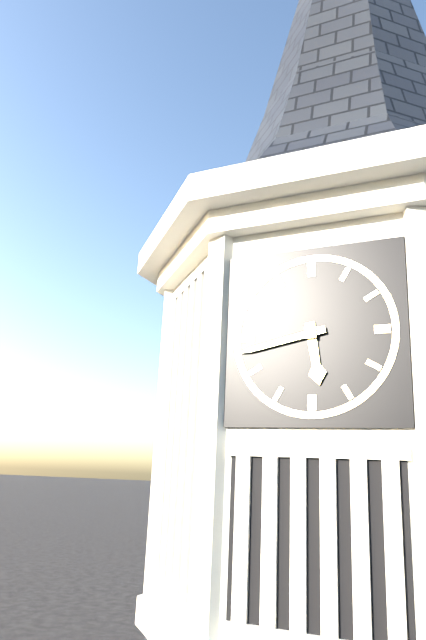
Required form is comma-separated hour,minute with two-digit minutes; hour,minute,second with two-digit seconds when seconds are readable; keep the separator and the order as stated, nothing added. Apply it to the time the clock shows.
5,43
